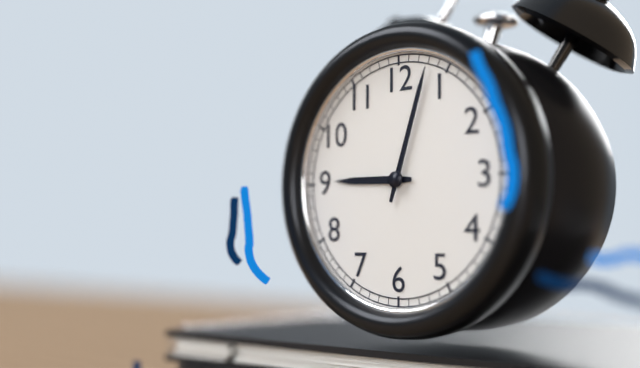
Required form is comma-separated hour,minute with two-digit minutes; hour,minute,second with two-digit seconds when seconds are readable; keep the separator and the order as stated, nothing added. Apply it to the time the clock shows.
9,03
